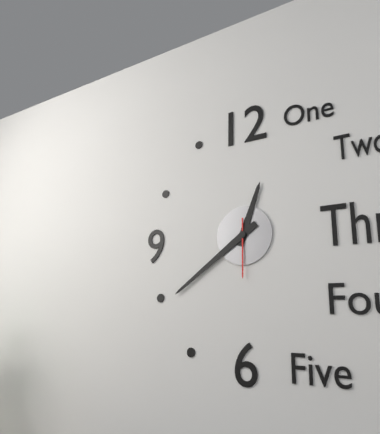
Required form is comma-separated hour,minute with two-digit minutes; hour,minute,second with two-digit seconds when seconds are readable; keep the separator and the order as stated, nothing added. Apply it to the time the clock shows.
12,39,30
